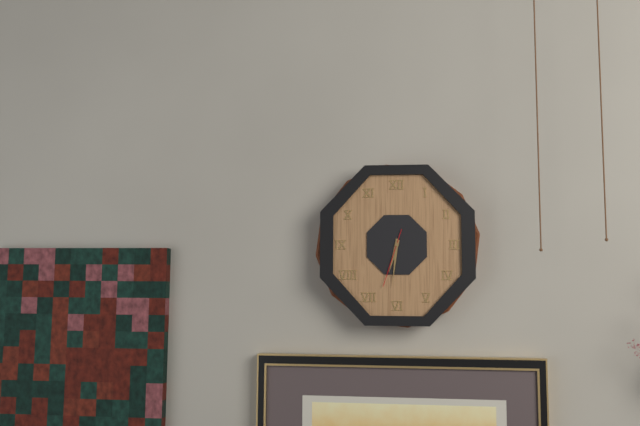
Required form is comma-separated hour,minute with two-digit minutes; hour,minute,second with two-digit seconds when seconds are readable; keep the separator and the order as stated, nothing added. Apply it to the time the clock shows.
6,31,33
